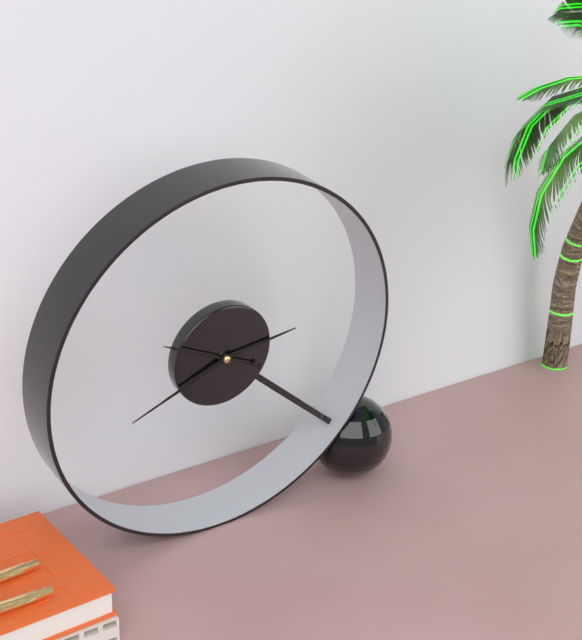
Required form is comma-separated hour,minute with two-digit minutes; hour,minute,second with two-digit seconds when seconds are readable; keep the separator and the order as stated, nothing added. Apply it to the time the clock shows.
2,41,49
